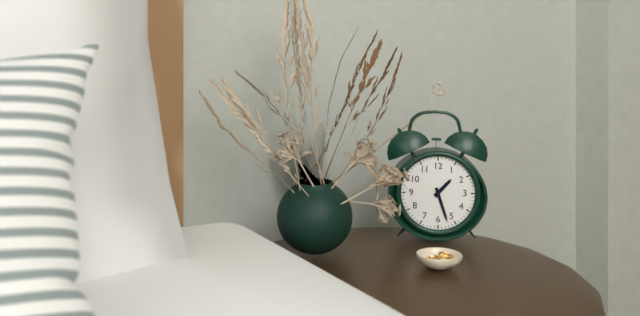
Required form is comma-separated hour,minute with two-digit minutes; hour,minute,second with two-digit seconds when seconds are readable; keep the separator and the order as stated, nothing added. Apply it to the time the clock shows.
1,27
